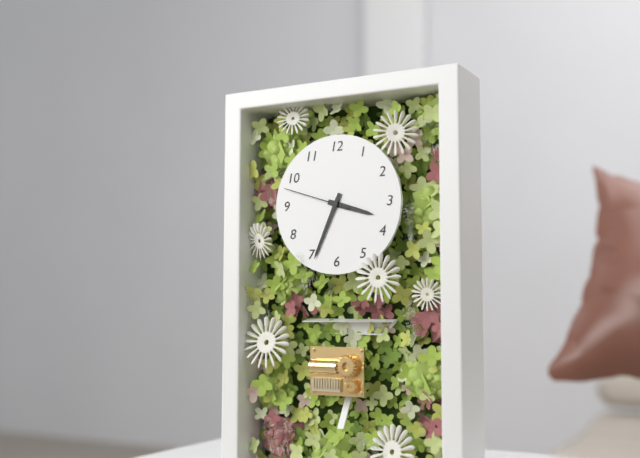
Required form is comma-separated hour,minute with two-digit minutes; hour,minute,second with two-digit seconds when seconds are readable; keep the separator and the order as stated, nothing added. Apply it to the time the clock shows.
3,34,48
